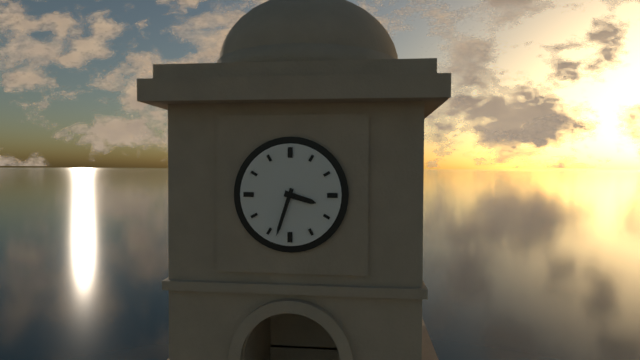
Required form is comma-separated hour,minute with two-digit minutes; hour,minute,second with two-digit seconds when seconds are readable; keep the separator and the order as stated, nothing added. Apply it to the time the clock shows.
3,33
